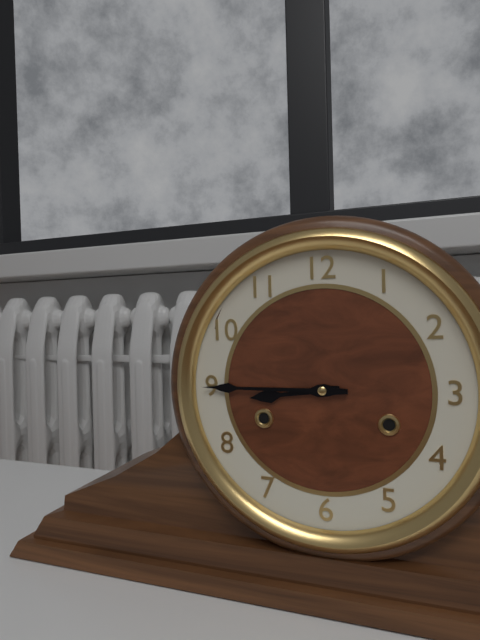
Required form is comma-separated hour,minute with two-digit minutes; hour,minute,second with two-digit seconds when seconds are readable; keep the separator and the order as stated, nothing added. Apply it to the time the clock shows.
8,45
